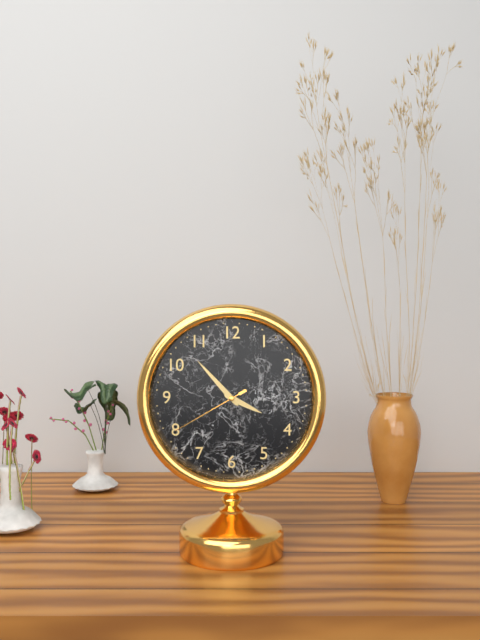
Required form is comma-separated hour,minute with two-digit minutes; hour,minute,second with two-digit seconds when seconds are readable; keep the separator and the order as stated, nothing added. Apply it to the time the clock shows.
3,53,40
